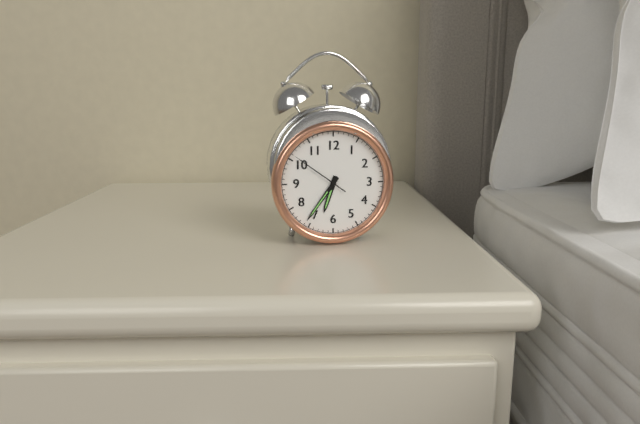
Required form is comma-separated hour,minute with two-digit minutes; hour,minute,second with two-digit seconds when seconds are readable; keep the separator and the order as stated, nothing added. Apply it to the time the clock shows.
6,36,51
